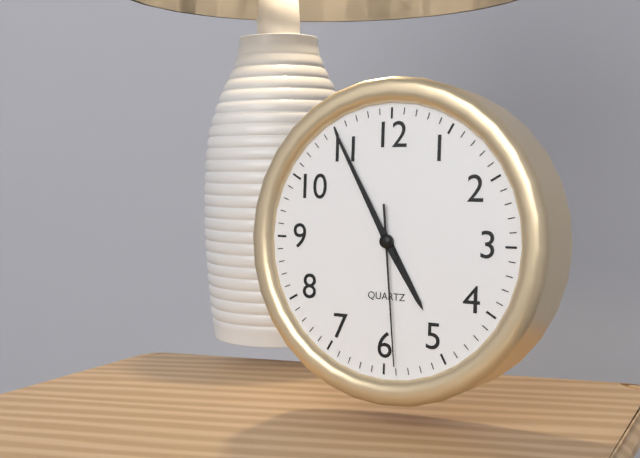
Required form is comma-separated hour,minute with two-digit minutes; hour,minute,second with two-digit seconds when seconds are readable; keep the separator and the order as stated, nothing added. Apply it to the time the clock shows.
4,55,29
